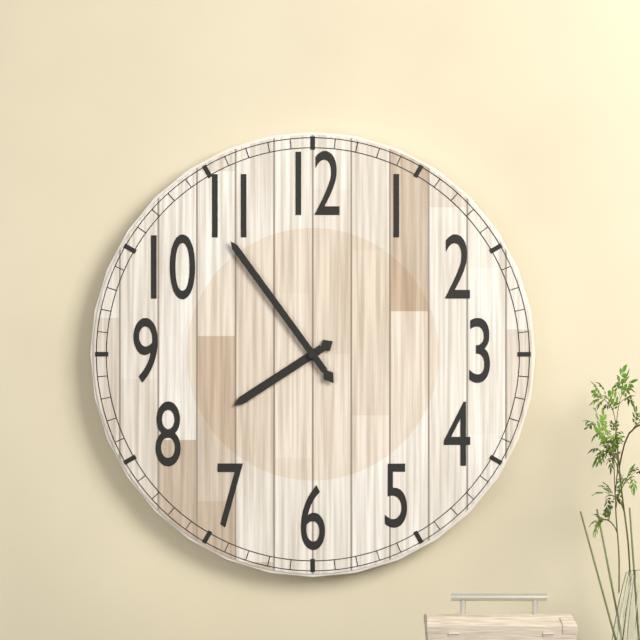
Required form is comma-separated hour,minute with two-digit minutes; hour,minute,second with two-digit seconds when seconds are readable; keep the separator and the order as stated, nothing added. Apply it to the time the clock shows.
7,54
